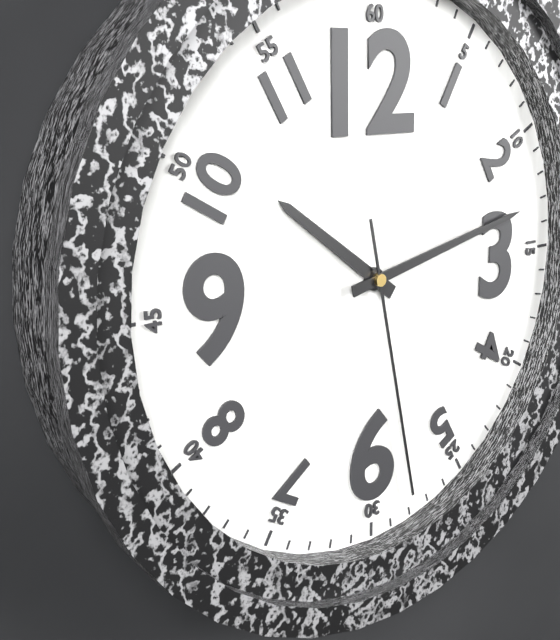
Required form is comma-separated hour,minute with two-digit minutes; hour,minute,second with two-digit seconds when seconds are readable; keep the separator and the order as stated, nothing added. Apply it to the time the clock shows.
10,13,28
